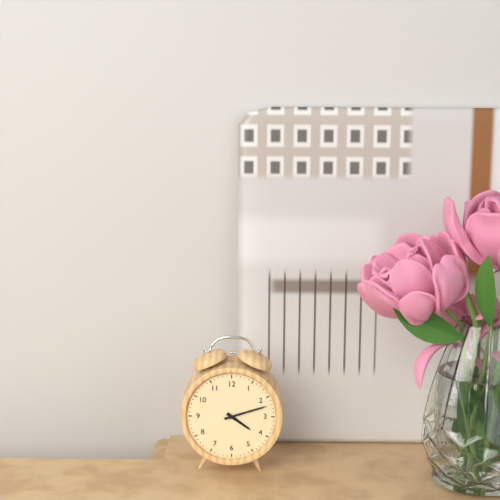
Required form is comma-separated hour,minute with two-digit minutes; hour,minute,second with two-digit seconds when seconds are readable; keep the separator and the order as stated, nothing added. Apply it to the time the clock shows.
4,12
